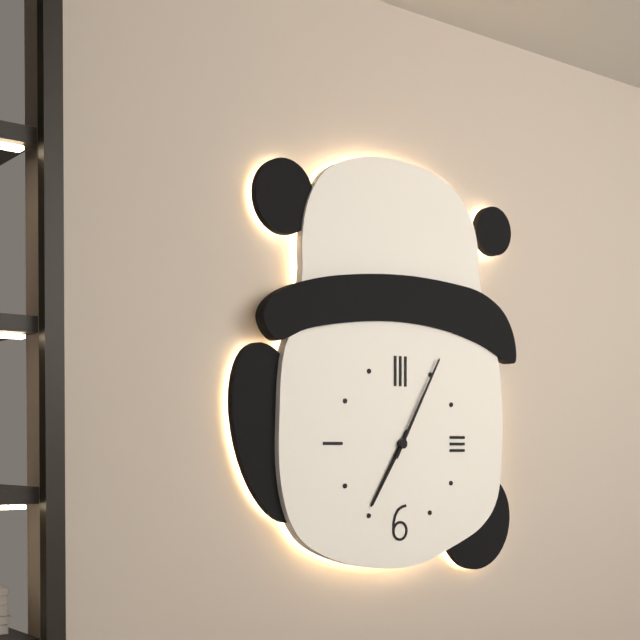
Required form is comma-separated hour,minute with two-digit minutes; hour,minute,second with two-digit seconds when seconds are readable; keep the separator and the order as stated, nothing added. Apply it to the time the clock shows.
7,05
